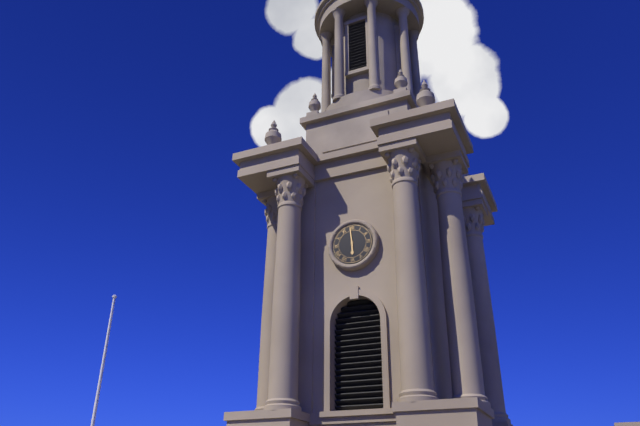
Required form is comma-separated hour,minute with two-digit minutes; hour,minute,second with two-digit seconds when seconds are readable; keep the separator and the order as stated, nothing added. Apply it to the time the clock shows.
5,59
